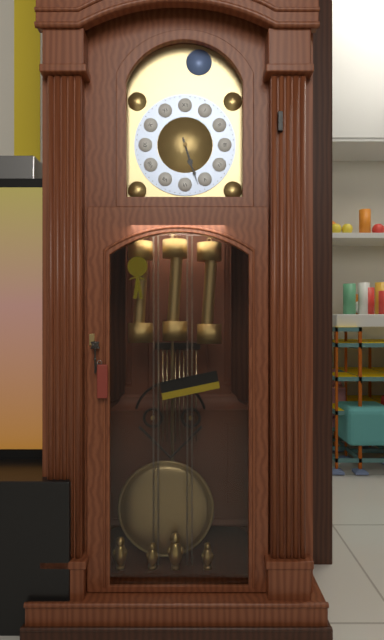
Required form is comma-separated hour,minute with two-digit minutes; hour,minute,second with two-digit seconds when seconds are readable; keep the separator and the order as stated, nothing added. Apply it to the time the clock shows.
5,27
